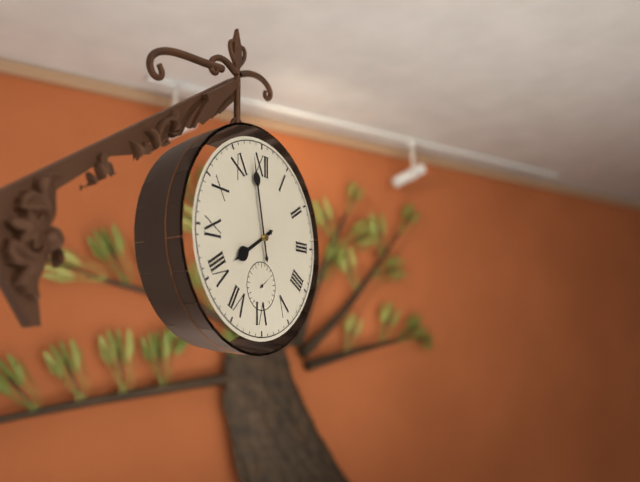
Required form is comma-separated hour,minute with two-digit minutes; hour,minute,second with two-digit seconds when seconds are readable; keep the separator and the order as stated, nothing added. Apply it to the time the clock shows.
7,58
